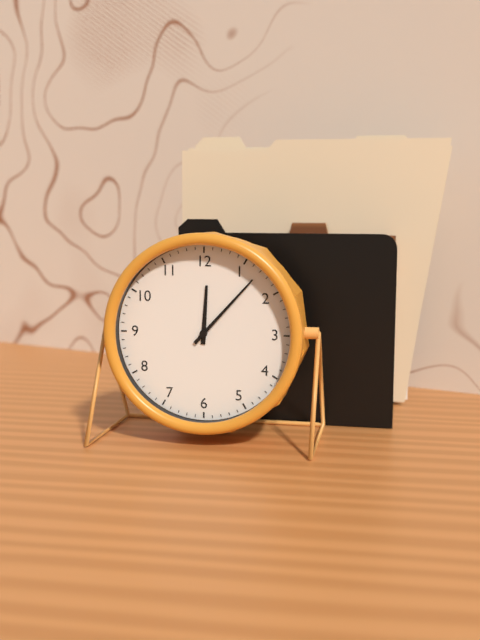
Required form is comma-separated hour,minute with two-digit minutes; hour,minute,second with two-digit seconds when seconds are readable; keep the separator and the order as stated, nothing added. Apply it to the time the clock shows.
12,07
